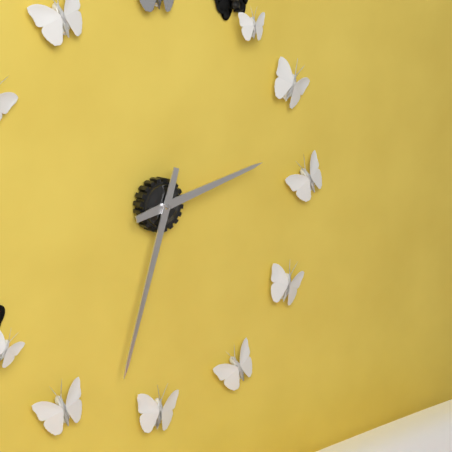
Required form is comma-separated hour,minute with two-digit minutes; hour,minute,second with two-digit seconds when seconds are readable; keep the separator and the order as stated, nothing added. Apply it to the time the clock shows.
2,33
